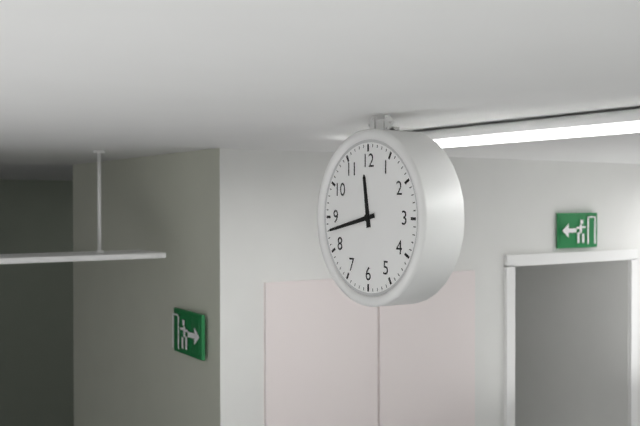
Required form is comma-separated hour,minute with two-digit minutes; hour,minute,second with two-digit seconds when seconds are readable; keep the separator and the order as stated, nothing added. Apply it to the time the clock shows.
11,43
